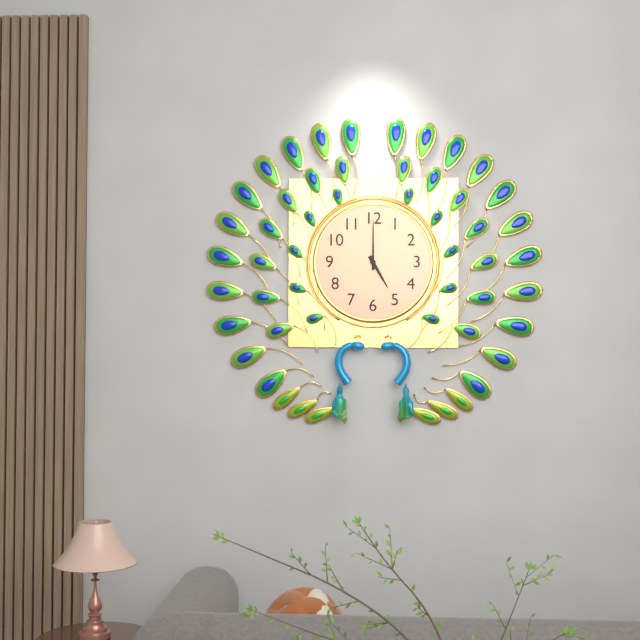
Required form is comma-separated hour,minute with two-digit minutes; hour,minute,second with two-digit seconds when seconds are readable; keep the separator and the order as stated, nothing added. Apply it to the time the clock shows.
5,00
